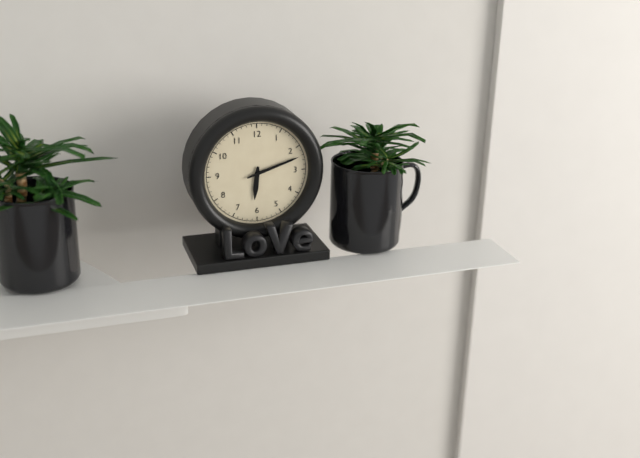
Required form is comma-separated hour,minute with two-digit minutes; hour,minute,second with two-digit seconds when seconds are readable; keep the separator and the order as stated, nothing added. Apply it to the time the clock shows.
6,12
